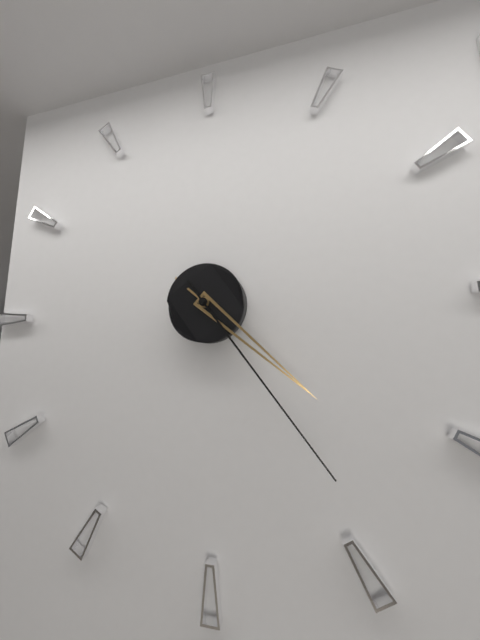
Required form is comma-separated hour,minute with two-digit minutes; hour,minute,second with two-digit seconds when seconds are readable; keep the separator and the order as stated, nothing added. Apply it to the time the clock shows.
4,24
